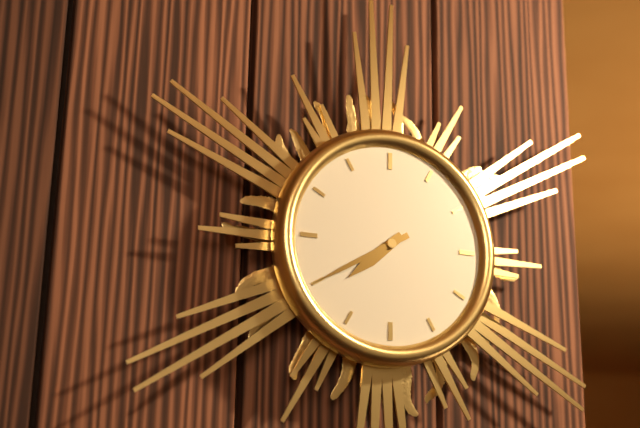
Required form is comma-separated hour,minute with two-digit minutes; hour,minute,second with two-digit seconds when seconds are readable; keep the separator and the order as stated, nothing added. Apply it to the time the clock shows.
7,40
